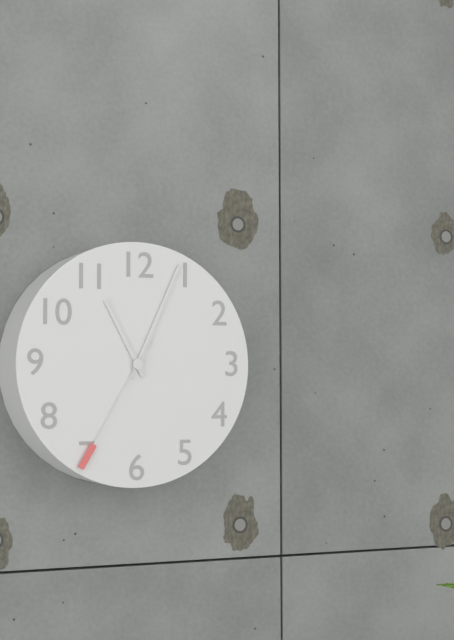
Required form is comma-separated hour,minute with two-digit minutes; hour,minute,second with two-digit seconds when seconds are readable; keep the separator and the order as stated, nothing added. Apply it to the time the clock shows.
11,04,35
